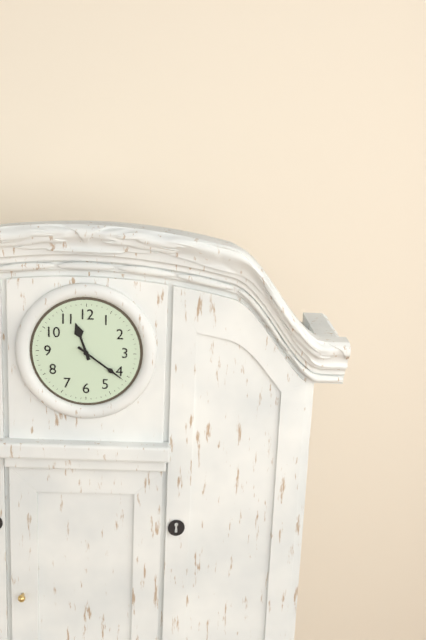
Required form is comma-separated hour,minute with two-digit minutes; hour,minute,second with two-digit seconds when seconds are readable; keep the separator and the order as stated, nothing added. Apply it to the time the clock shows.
11,21
